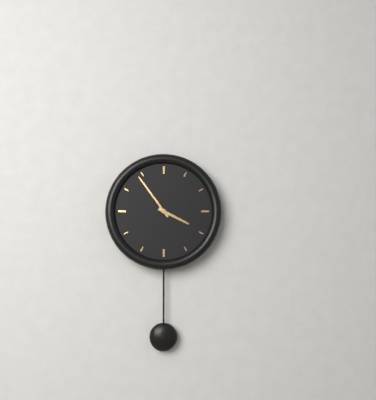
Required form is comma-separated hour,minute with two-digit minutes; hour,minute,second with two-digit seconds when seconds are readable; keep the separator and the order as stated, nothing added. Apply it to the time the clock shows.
3,54
